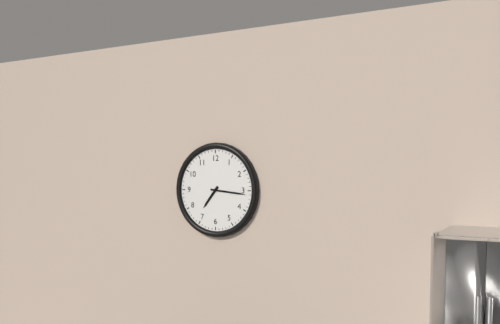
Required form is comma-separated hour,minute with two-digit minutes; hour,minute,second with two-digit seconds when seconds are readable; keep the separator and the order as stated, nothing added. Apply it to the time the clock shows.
7,16
